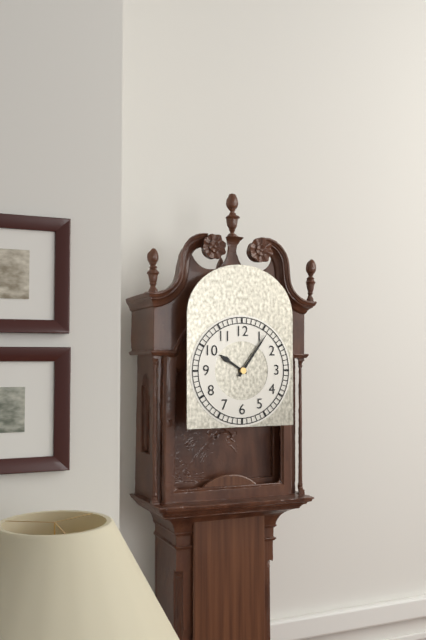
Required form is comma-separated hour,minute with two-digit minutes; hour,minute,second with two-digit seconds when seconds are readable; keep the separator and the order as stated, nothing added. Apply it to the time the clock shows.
10,06
